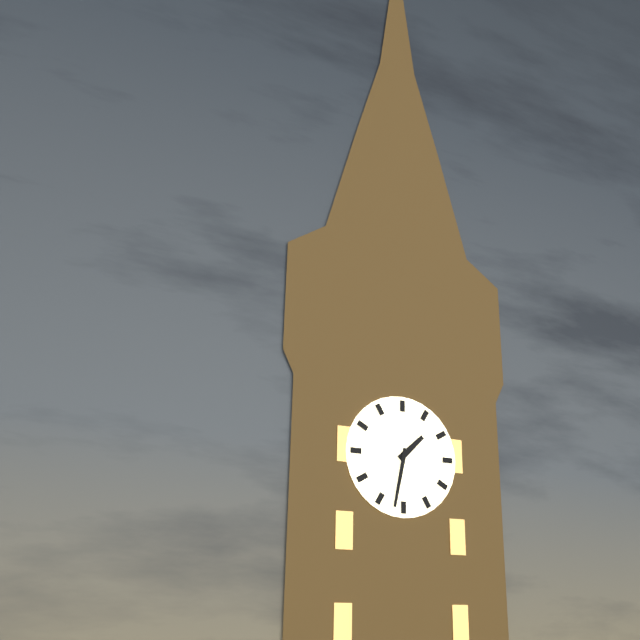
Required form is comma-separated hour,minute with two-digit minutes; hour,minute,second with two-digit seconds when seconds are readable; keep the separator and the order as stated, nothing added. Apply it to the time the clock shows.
1,32
